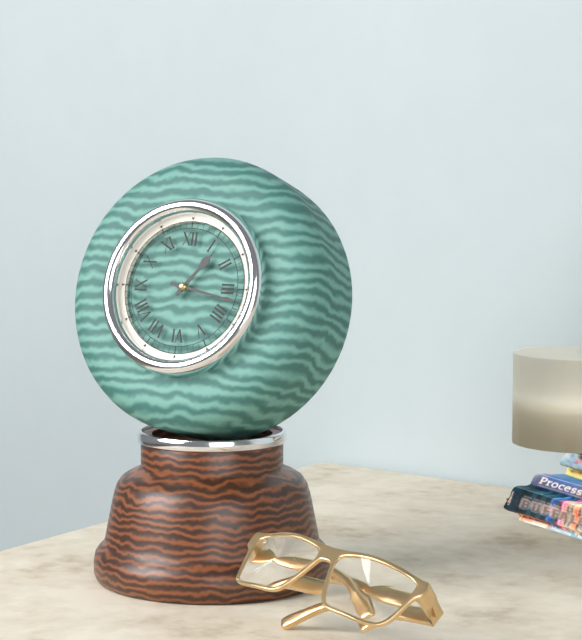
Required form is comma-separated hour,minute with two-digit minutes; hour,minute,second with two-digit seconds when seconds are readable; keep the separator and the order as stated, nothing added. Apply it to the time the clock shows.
1,17
